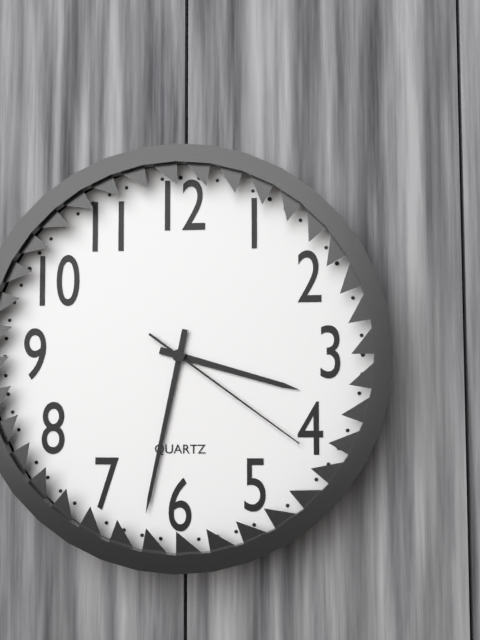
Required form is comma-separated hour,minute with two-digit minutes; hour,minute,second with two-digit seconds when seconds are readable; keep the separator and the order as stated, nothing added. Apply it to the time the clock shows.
3,32,21
